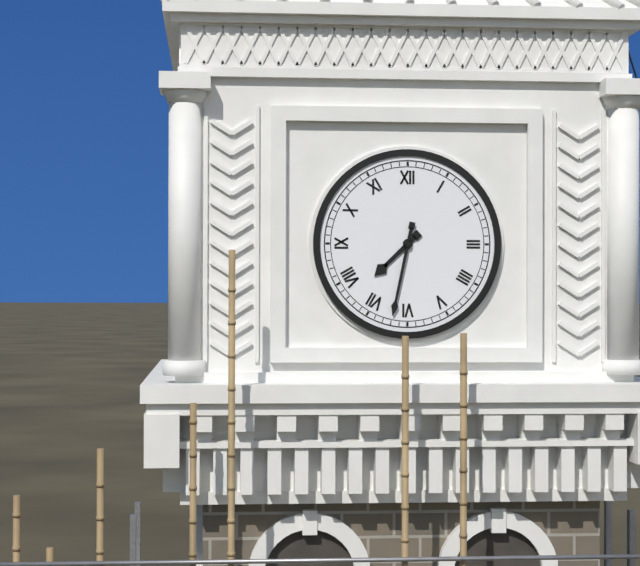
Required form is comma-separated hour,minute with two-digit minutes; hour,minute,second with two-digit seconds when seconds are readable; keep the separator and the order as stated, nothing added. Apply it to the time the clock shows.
7,32
